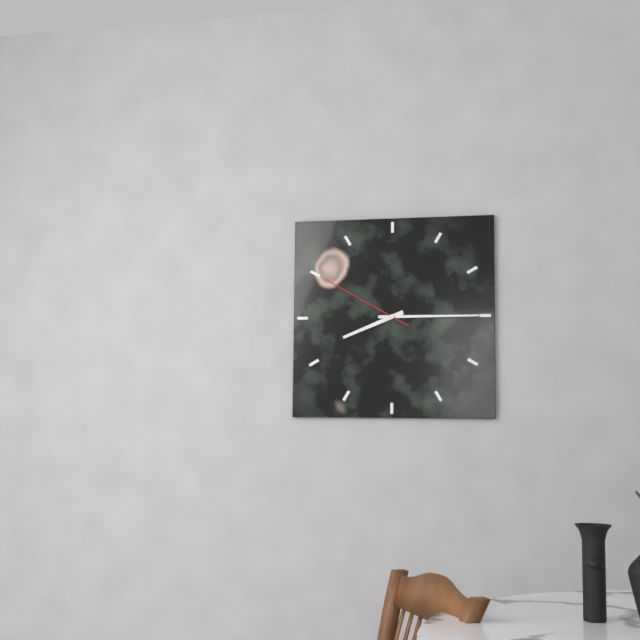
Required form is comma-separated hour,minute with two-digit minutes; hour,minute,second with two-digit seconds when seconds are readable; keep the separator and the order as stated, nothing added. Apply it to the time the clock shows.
8,15,50
